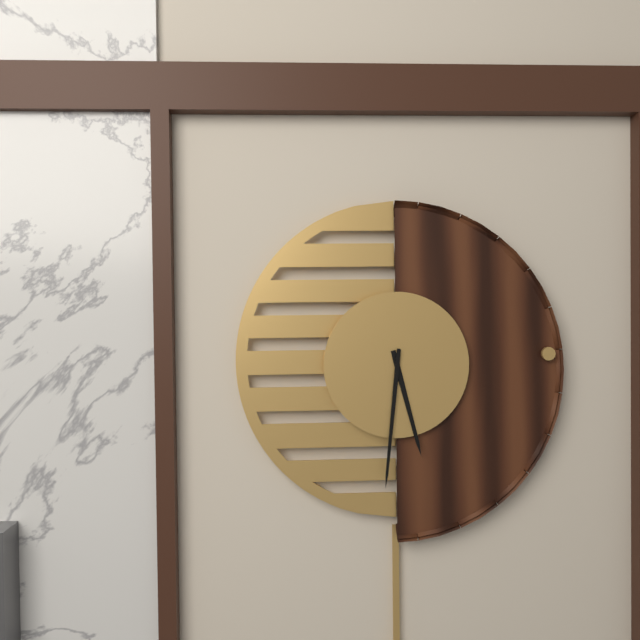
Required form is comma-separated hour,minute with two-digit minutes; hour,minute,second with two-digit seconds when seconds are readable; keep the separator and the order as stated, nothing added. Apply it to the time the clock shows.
5,31
